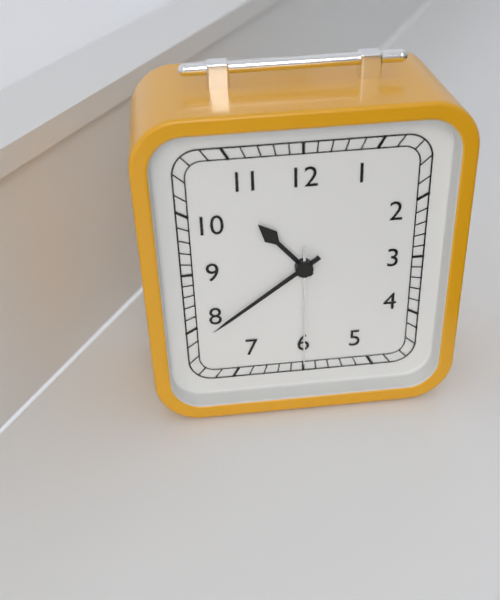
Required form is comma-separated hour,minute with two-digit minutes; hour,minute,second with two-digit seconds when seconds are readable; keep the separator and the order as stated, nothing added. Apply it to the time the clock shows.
10,39,30
